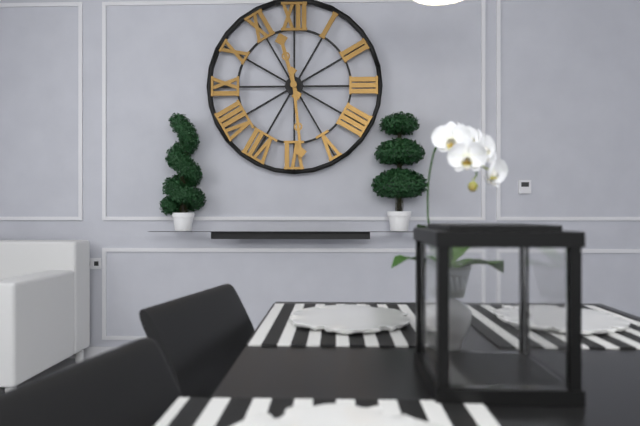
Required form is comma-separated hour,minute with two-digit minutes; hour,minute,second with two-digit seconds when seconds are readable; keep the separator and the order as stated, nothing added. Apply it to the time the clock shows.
11,29
